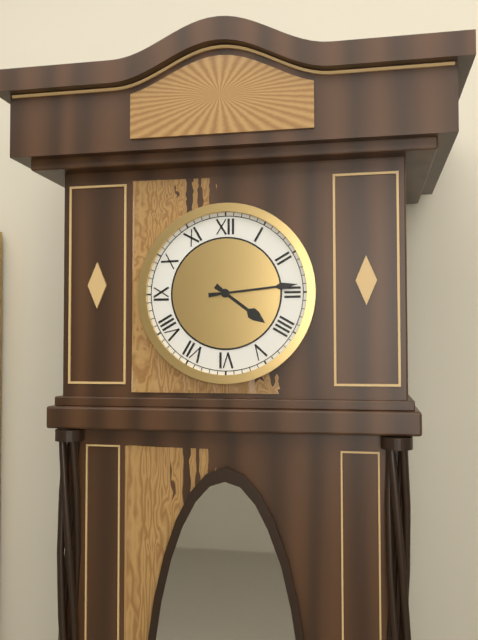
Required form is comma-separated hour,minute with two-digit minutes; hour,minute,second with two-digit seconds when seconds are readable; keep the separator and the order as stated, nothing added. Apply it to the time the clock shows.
4,14
